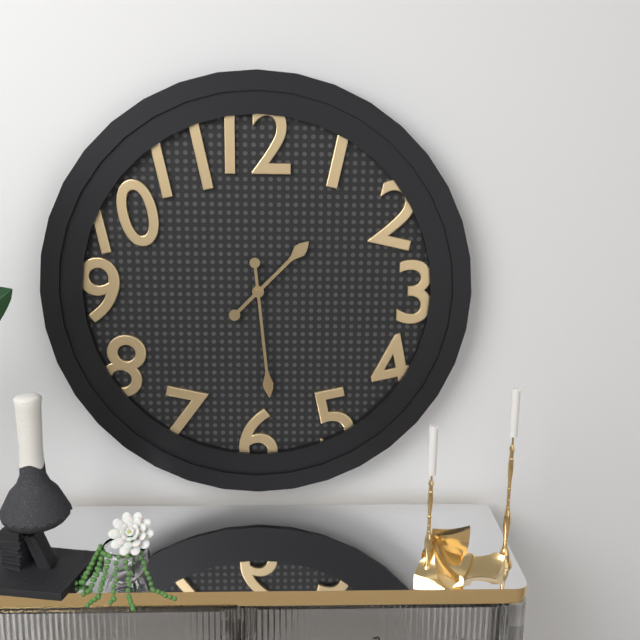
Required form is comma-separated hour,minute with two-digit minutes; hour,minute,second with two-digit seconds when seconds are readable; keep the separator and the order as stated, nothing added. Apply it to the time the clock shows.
1,29
